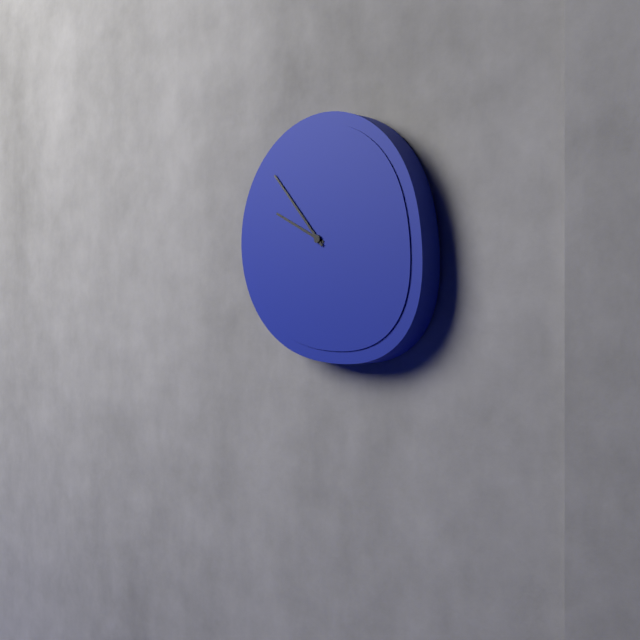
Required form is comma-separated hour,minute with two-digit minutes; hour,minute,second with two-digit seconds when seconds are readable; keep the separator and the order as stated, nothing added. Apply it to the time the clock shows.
9,53
